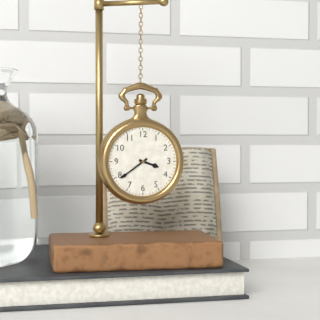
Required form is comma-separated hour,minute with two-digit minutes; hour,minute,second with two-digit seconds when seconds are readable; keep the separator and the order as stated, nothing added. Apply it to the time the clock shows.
3,39
